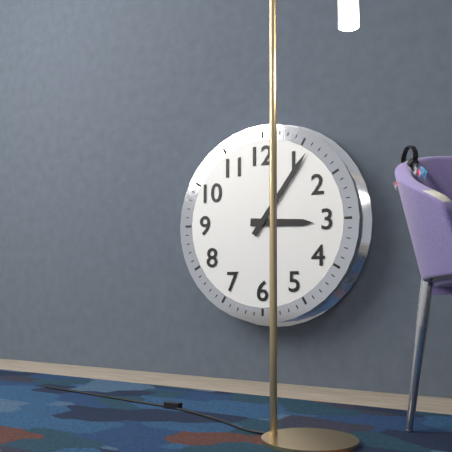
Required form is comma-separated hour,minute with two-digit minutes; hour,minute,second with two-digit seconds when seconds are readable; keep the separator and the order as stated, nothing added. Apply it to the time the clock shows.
3,06
